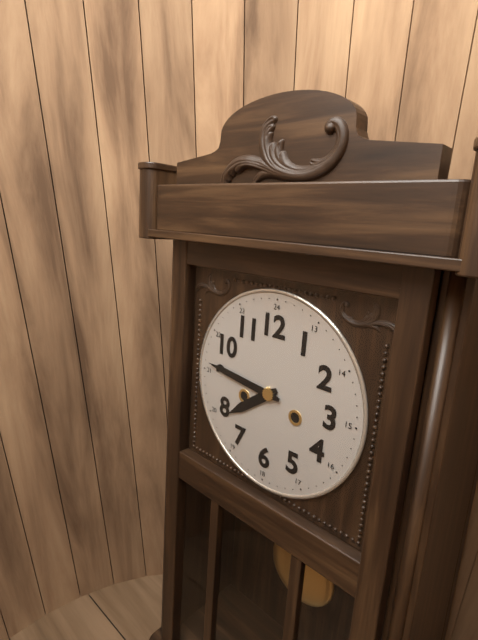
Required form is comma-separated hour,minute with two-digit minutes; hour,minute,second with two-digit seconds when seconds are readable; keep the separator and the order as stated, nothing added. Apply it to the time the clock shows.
7,46
